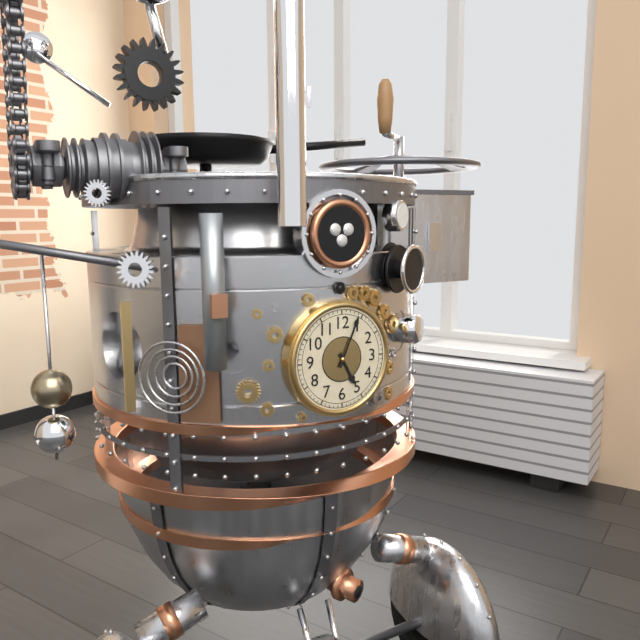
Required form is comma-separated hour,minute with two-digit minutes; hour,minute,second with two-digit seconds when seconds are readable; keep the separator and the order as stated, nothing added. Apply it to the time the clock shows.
5,04
